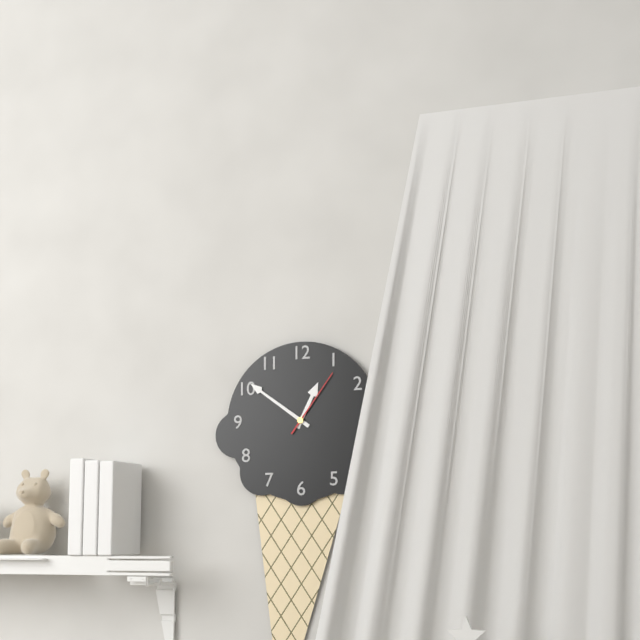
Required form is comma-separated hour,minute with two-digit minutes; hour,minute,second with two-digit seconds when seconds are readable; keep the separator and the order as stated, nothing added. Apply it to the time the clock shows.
12,51,06
